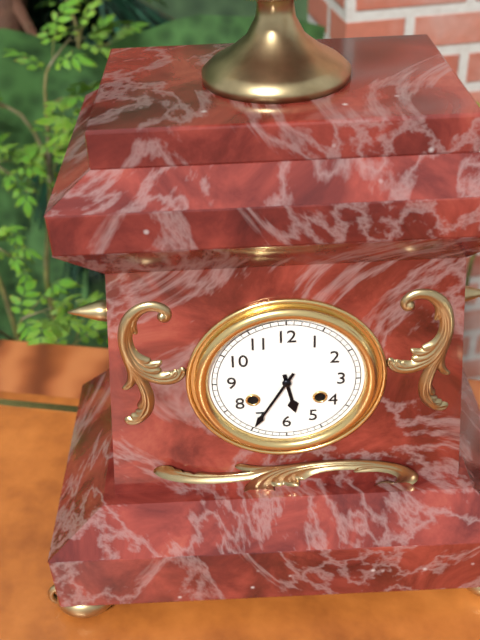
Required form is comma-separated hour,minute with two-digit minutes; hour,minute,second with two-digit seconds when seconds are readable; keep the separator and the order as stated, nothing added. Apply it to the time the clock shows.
5,35
